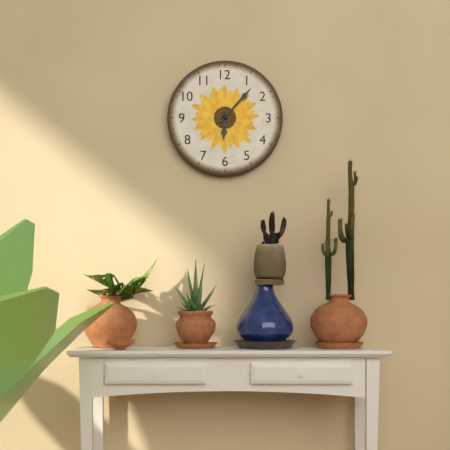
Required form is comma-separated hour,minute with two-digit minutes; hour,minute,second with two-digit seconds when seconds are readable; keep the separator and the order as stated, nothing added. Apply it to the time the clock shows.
6,07
